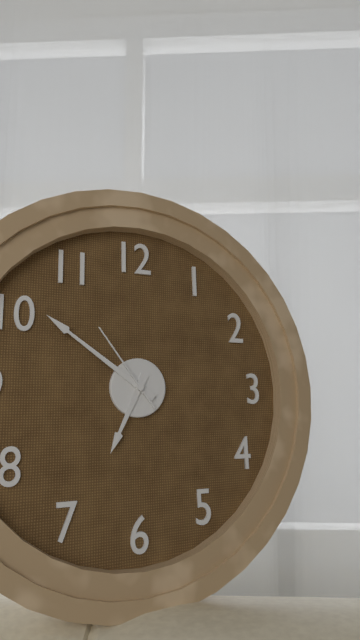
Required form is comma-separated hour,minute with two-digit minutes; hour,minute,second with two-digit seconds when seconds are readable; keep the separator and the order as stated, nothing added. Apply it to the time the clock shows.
6,51,54
